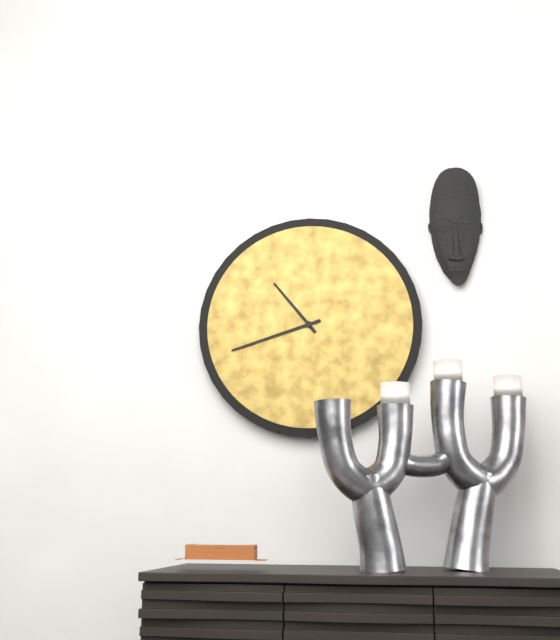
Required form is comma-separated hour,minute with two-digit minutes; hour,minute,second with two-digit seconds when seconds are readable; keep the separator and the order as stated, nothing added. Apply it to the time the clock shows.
10,42
